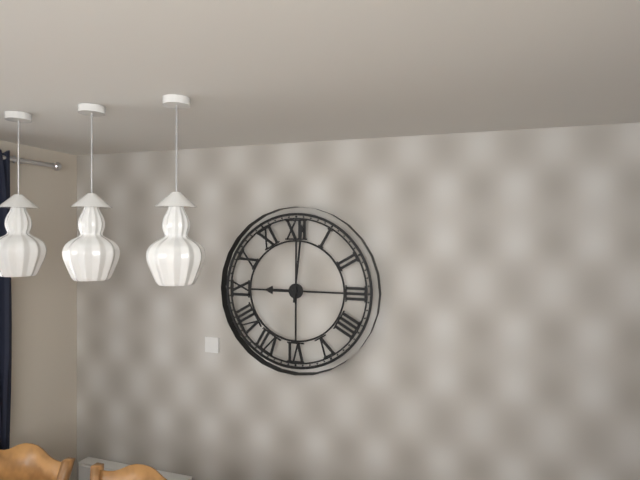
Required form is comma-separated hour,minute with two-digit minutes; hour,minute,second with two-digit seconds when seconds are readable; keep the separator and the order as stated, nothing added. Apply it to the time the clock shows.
9,01
